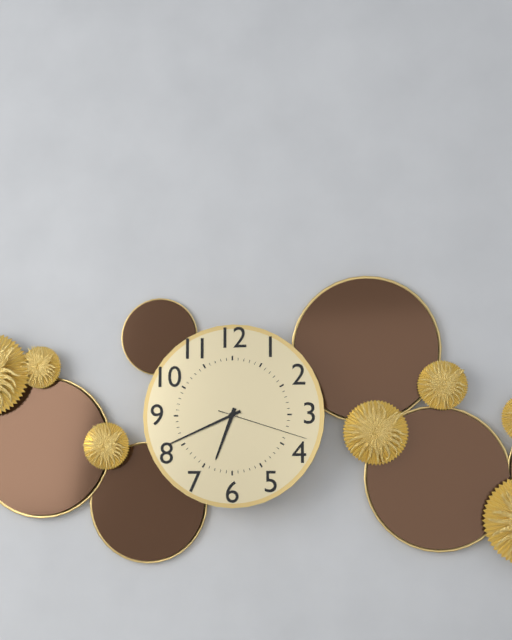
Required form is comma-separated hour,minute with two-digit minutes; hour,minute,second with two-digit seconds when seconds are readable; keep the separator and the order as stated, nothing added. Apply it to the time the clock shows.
6,41,18
